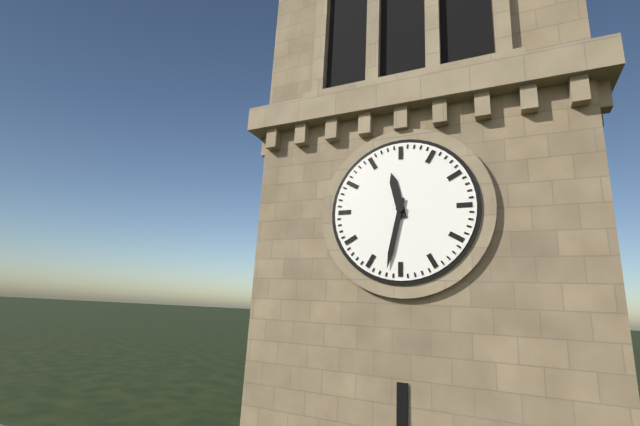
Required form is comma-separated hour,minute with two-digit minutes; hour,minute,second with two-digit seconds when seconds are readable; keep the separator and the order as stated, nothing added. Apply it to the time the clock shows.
11,32
